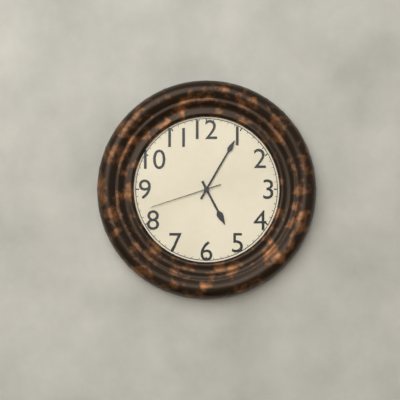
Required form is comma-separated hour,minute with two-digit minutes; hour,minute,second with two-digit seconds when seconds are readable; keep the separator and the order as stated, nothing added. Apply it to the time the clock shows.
5,05,42
